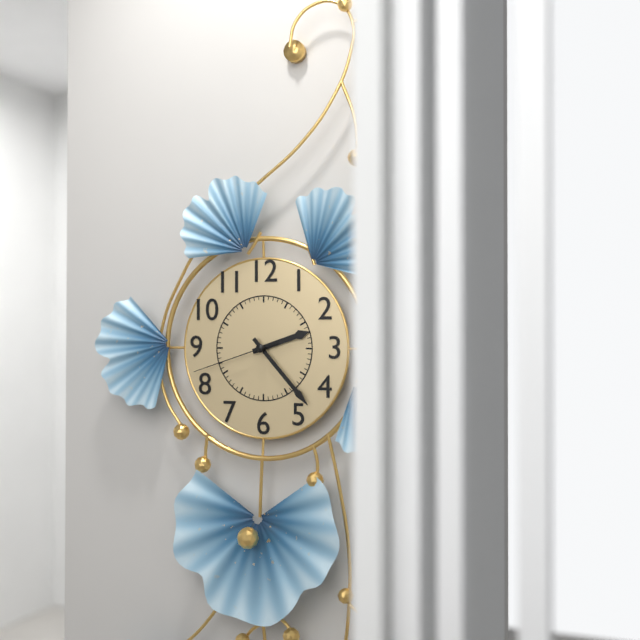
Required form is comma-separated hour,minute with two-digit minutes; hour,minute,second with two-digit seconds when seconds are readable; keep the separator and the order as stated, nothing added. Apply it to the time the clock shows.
2,23,42
